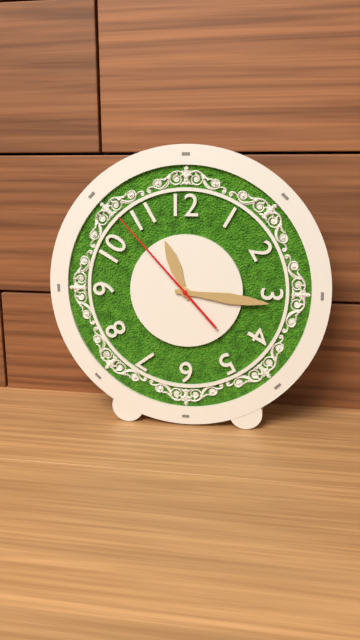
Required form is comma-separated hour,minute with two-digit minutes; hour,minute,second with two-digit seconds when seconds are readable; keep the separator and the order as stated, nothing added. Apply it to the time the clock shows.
11,16,53
